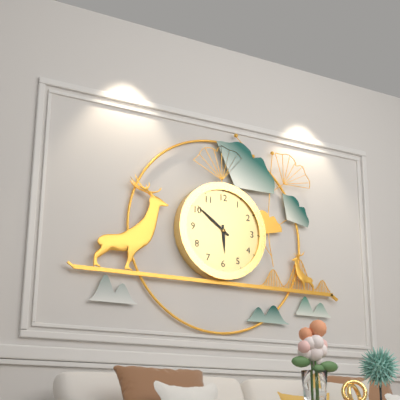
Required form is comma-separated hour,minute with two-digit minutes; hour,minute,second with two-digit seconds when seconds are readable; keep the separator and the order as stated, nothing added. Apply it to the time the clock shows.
5,51
